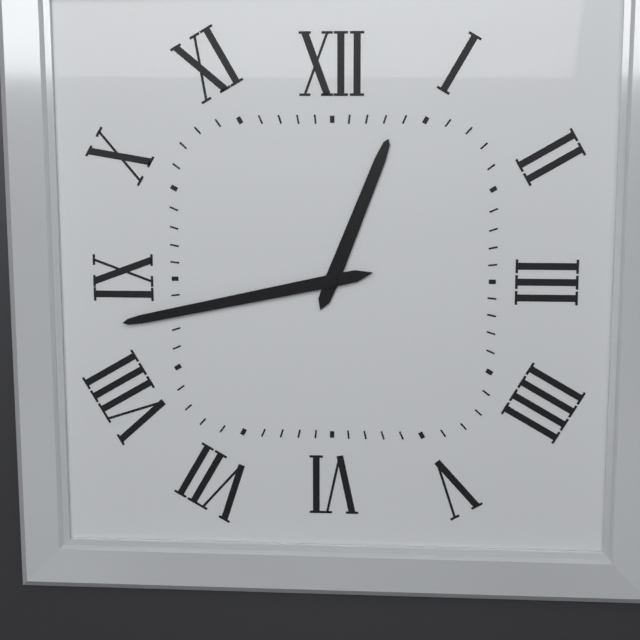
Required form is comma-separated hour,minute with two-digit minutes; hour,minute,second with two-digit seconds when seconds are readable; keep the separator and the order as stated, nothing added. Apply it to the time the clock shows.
12,43
